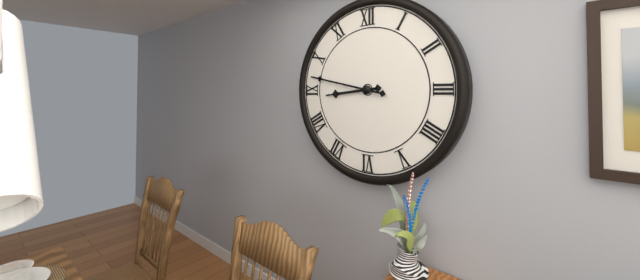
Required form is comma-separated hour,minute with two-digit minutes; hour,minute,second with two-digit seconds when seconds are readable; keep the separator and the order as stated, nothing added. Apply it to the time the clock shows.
8,47
